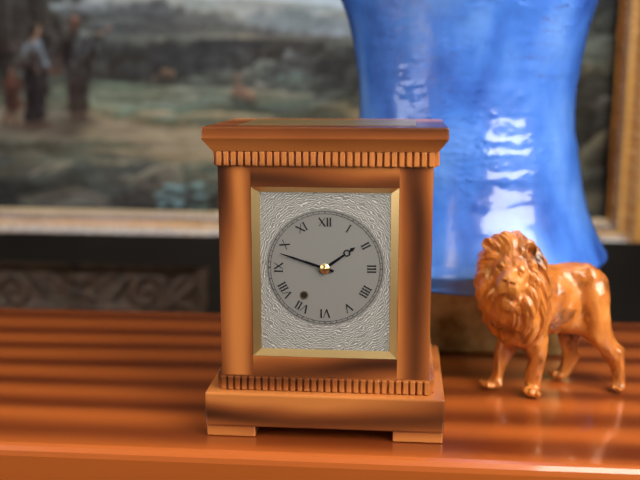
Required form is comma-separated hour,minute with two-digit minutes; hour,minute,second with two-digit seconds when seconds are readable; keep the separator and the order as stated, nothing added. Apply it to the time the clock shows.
1,48
